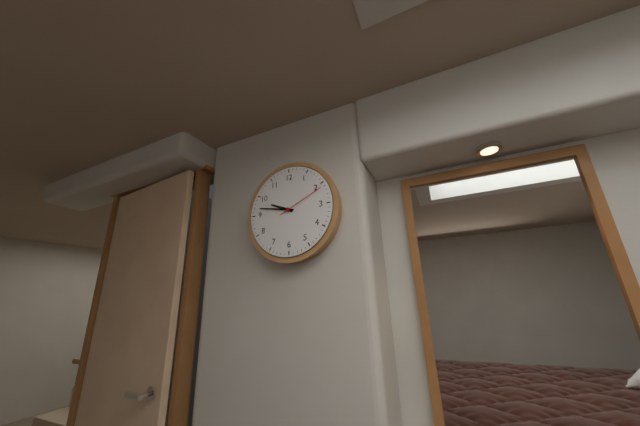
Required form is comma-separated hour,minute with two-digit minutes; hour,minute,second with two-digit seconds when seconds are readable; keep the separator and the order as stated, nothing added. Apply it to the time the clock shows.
9,47
